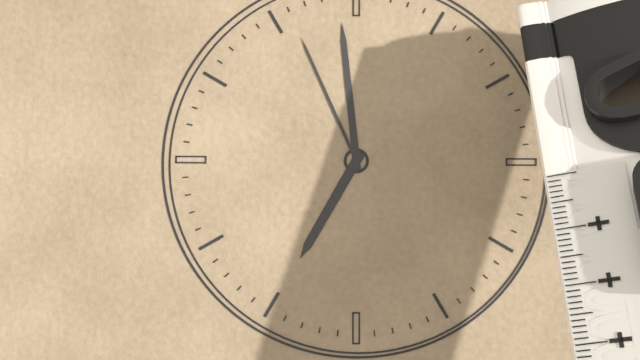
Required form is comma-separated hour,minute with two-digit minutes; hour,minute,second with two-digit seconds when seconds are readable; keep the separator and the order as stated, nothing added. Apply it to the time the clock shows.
6,59,56
